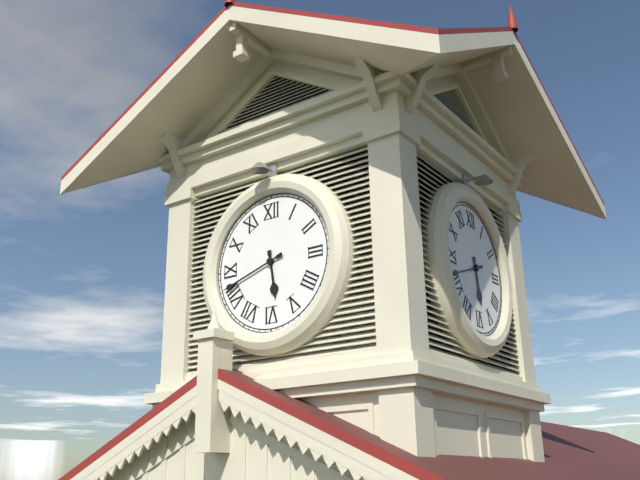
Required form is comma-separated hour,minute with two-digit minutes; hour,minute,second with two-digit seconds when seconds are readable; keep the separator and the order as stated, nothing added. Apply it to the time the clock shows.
5,42
